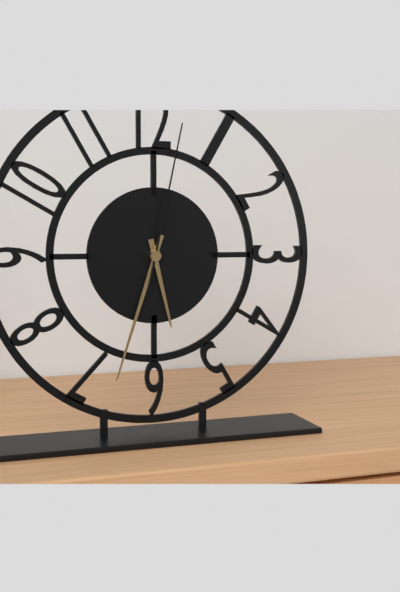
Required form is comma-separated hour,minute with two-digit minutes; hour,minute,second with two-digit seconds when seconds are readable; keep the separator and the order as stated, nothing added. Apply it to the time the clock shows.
5,33,02
